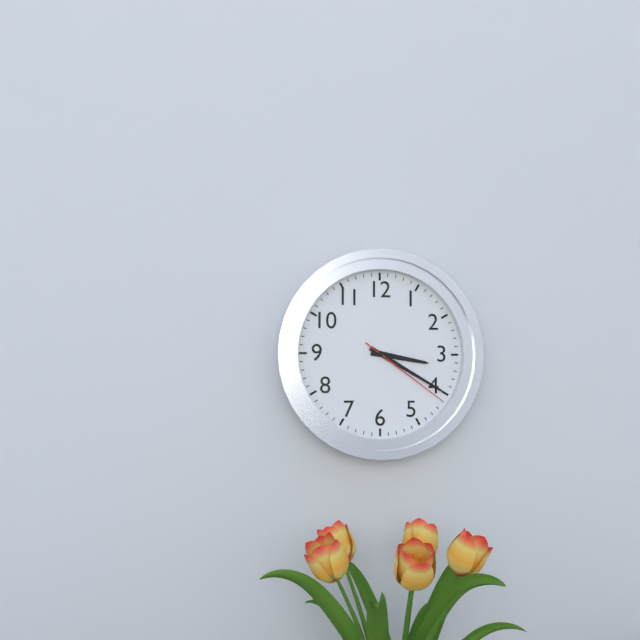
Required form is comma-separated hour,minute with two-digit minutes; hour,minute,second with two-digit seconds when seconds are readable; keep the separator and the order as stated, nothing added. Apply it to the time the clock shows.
3,20,21
